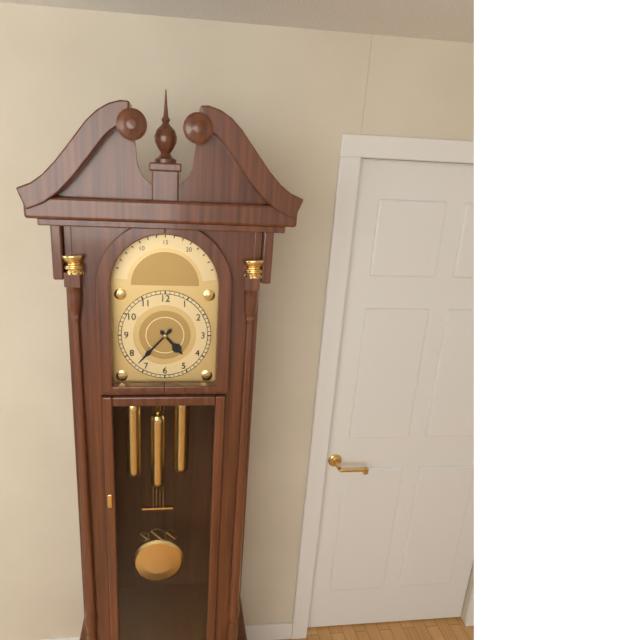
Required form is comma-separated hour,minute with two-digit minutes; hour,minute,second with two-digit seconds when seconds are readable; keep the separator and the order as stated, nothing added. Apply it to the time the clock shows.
4,37
